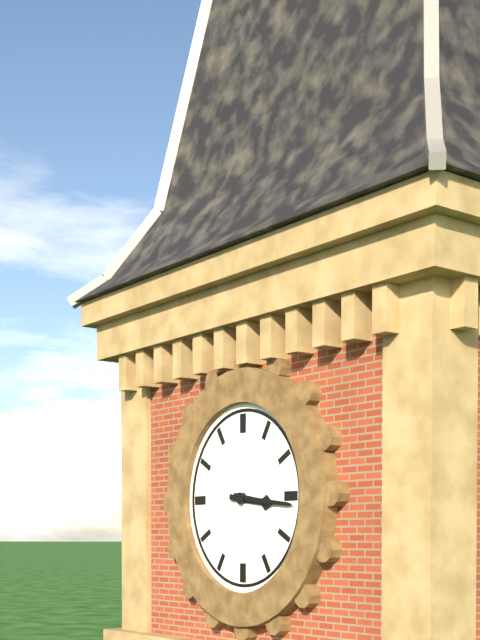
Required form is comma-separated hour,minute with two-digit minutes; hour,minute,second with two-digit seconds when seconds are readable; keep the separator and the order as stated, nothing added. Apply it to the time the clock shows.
3,16
